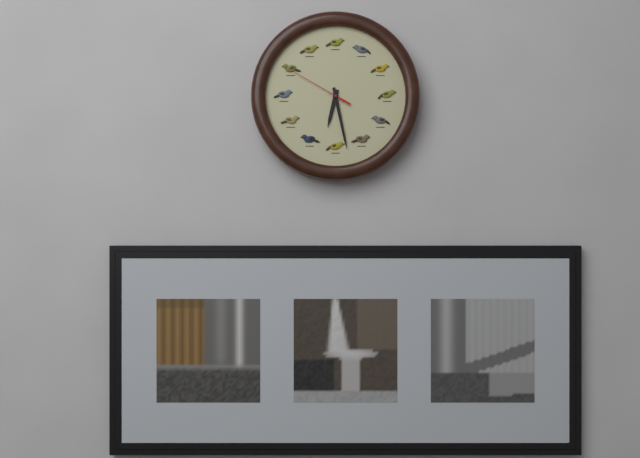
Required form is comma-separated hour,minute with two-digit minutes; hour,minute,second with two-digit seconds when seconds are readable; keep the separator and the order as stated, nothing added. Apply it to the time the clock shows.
6,28,50
